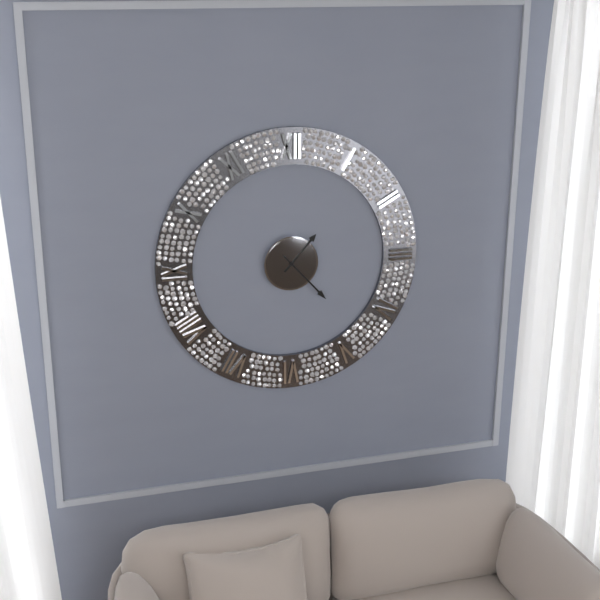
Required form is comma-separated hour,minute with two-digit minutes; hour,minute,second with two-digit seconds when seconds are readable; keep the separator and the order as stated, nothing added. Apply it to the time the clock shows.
1,23
